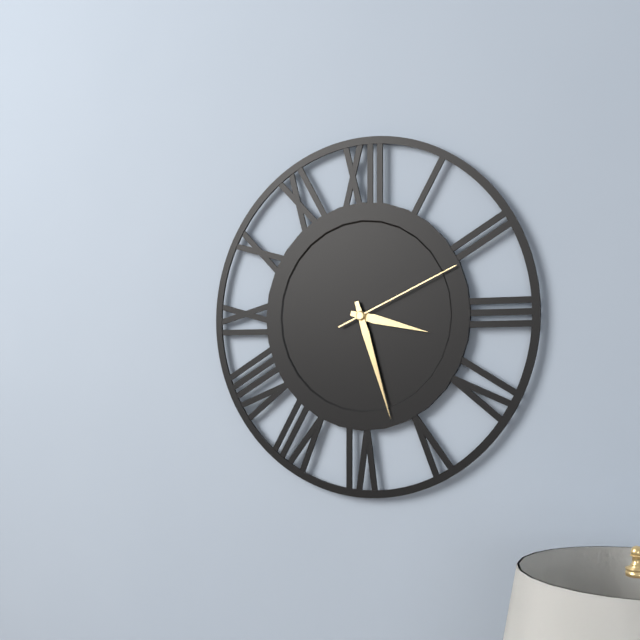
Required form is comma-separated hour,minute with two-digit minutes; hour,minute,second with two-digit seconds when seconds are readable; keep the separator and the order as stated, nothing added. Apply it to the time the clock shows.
3,27,11
